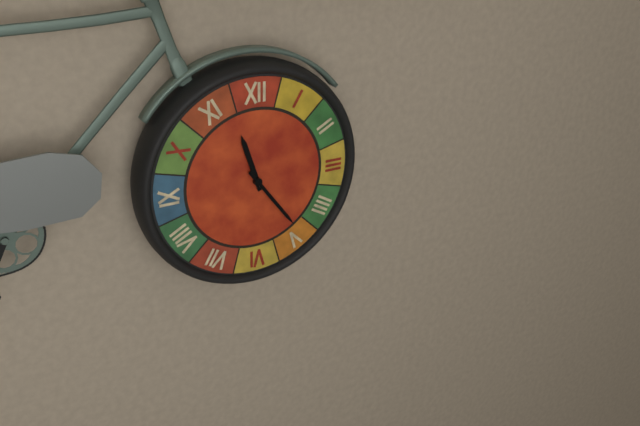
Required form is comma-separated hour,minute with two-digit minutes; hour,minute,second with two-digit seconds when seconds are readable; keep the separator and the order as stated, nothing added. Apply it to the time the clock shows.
11,24
